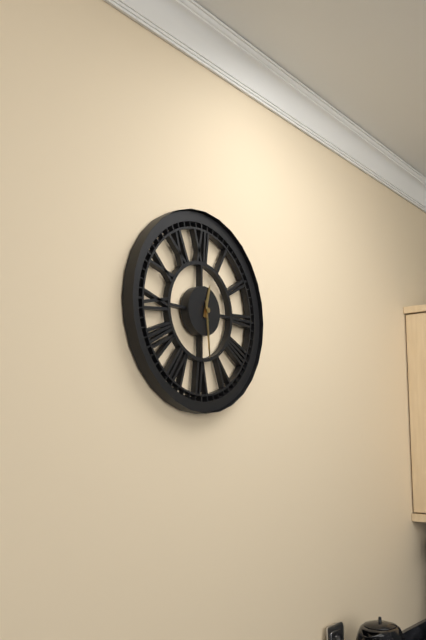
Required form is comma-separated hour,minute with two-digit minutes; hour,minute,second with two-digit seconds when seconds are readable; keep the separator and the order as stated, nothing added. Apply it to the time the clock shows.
12,29
